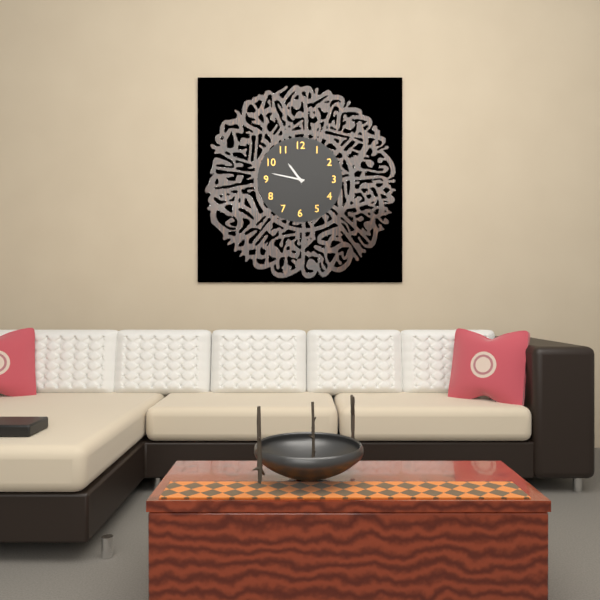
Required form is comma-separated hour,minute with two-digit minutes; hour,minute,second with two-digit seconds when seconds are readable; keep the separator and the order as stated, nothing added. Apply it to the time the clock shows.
10,47
